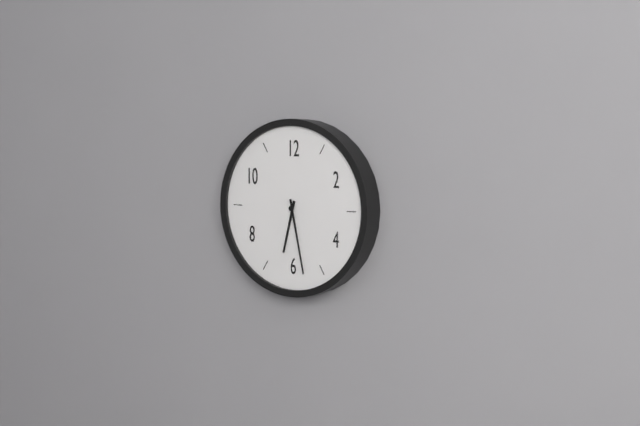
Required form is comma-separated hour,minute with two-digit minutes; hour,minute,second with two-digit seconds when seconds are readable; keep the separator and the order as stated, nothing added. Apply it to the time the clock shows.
6,28
